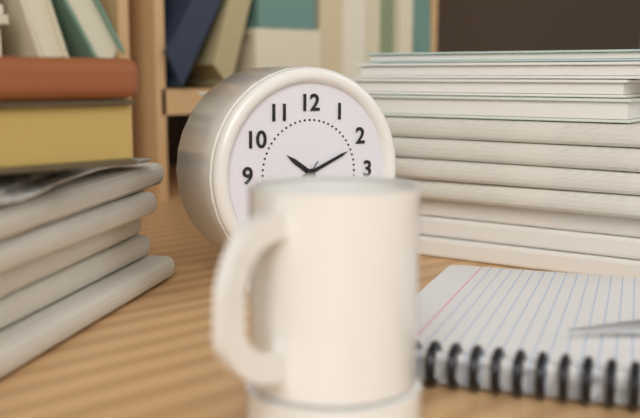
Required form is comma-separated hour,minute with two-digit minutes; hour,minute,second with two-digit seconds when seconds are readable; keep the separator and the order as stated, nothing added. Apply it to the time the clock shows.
10,11
